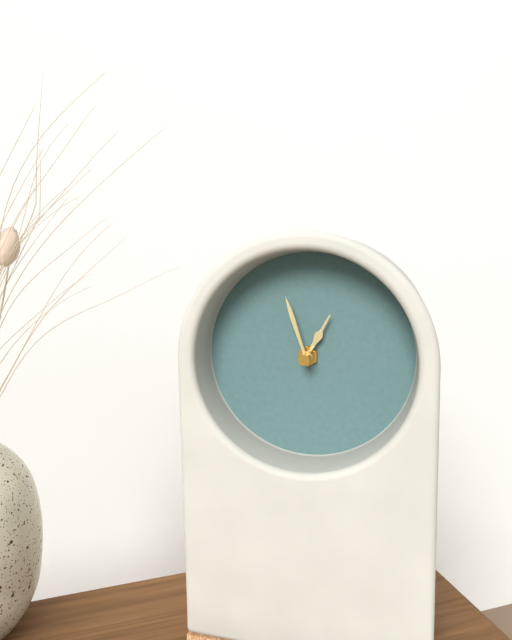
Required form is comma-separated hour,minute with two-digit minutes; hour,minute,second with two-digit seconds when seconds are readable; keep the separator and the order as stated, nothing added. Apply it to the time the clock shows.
12,57
